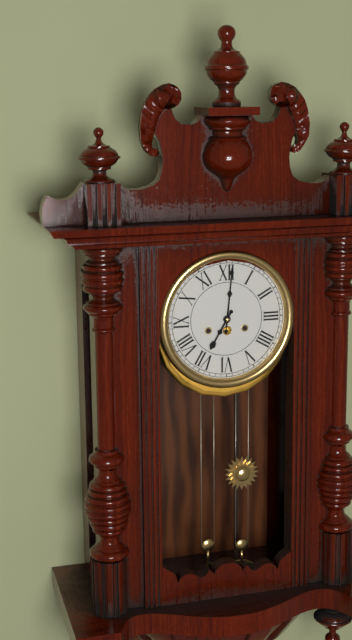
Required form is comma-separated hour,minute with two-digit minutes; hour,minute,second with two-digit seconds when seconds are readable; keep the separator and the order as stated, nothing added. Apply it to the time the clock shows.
7,01
